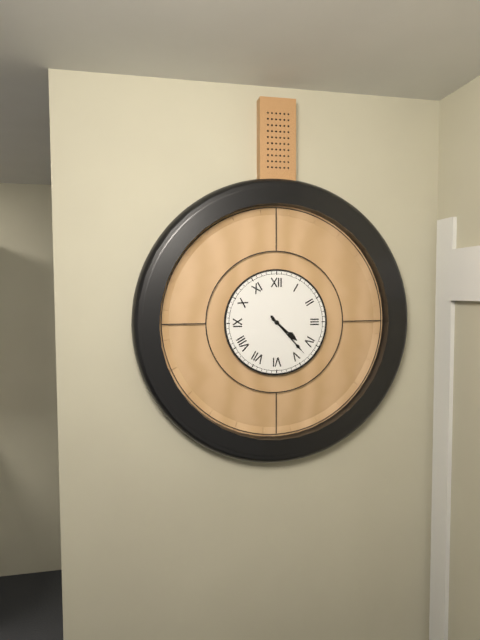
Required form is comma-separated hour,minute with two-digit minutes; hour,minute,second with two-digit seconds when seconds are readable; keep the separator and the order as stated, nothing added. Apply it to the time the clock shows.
4,23
